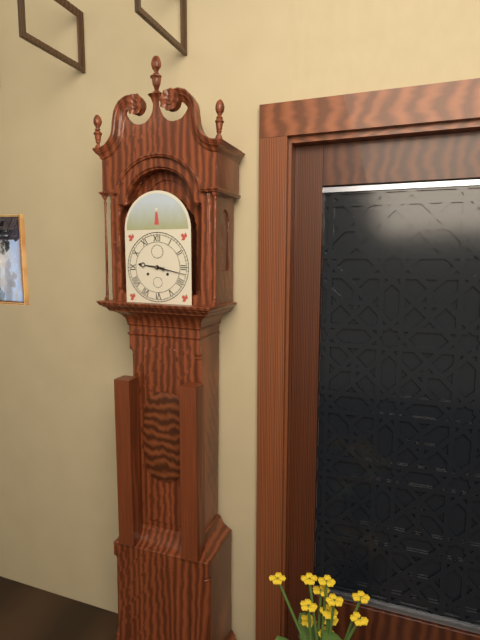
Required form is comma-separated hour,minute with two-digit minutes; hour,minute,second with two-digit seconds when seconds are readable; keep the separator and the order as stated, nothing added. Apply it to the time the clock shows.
9,17
